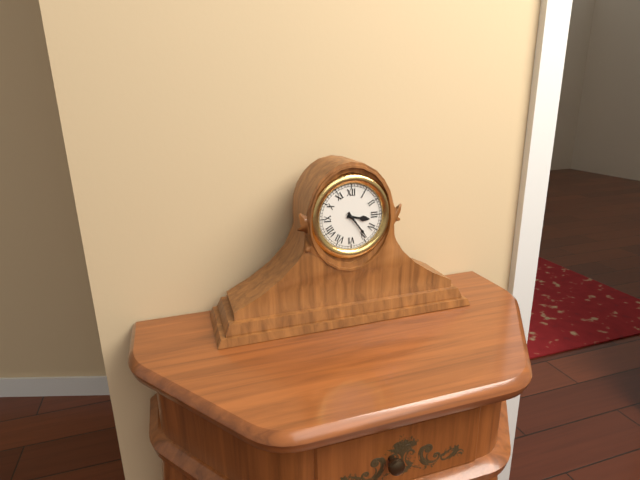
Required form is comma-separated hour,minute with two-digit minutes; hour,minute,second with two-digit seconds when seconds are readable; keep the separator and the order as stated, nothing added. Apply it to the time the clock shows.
3,24
